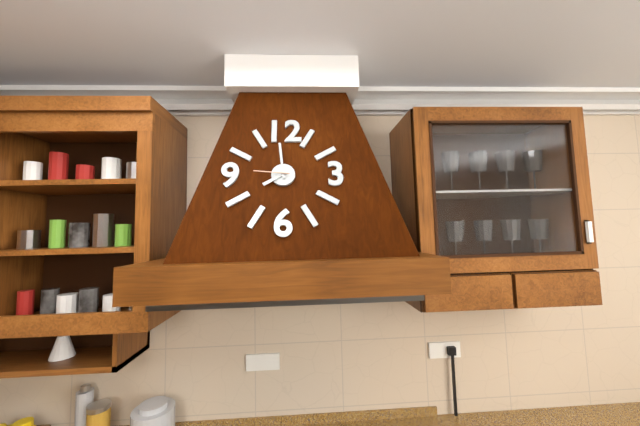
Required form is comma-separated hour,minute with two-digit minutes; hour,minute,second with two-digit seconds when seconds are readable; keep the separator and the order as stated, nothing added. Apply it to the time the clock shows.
7,59
